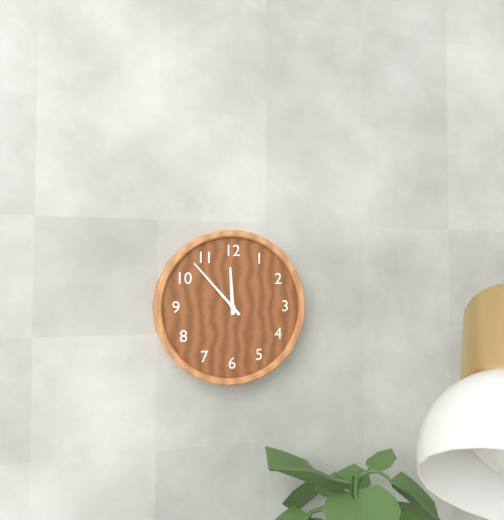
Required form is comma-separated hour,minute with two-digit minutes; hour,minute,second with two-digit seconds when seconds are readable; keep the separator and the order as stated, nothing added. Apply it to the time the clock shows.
11,53
